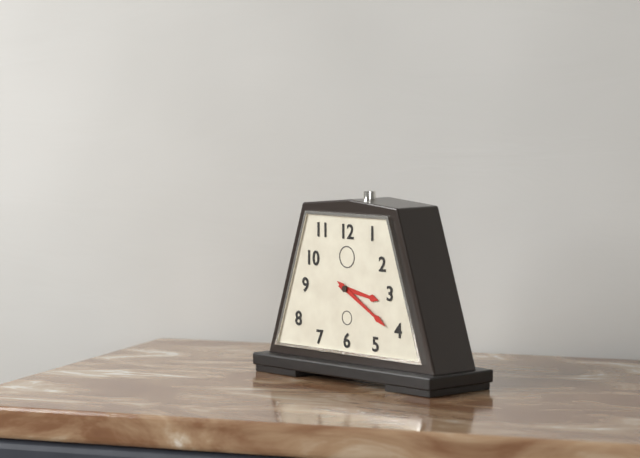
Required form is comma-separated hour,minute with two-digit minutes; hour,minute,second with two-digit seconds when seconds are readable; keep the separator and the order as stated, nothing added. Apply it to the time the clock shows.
3,20
